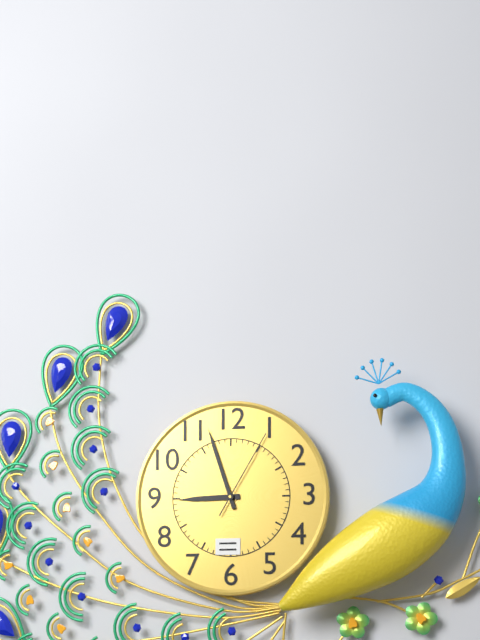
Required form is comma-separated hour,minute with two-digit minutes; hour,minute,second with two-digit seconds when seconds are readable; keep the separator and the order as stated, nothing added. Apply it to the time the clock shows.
8,57,05
